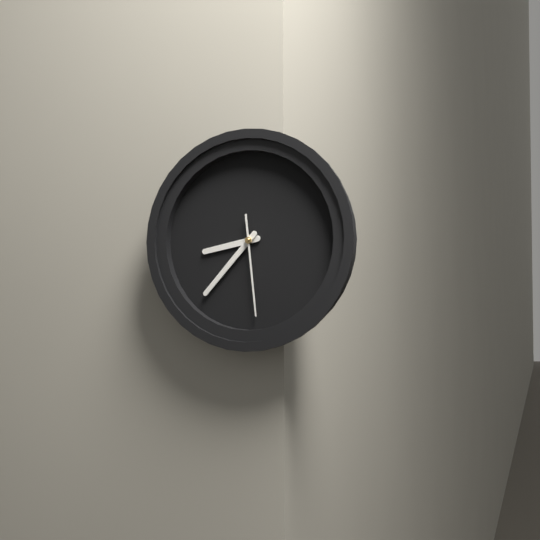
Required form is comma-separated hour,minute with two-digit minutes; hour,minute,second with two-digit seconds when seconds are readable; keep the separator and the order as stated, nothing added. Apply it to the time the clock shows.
8,37,29
